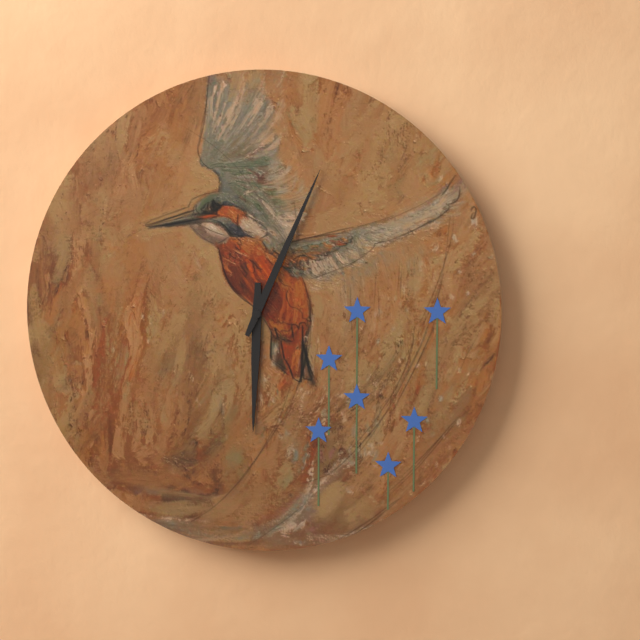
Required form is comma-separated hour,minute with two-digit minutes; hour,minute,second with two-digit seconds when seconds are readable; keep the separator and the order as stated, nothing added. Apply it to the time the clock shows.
6,04
